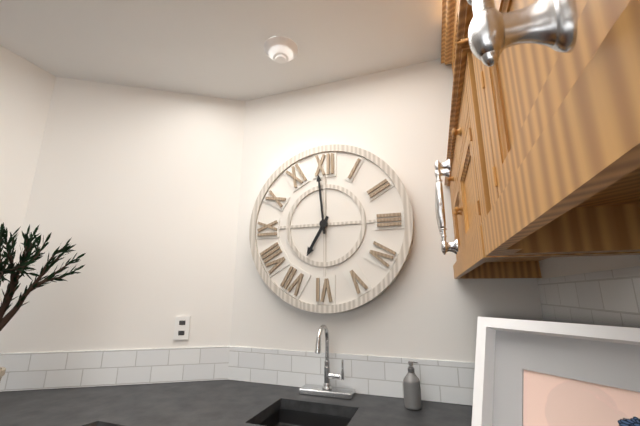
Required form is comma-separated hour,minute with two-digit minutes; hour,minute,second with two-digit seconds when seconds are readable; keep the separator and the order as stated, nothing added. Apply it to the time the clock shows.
6,59
